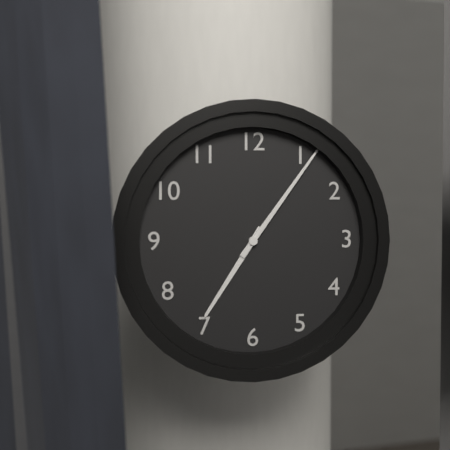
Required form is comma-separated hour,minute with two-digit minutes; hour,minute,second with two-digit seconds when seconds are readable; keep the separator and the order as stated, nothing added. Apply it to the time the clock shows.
7,06
